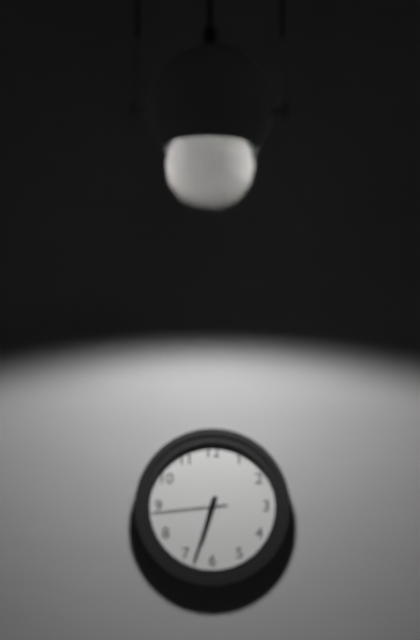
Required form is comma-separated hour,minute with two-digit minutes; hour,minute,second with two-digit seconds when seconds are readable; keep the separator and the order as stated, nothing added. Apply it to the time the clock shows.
6,33,44
